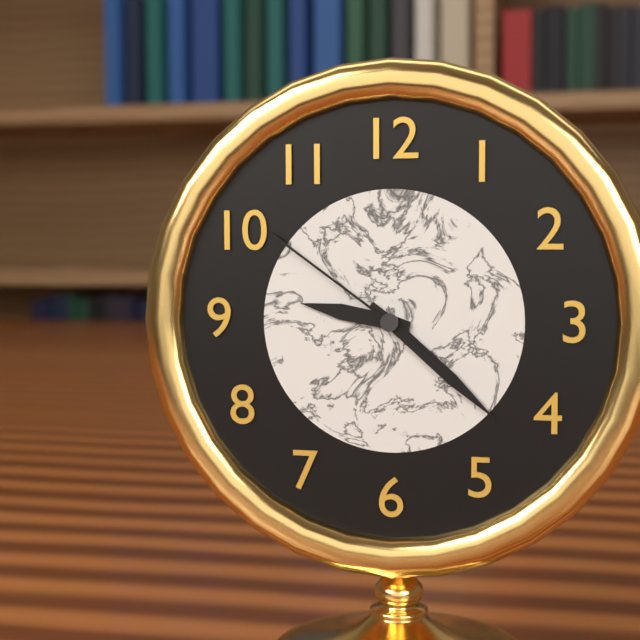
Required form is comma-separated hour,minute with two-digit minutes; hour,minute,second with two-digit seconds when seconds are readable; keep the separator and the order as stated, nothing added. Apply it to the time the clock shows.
9,22,51
